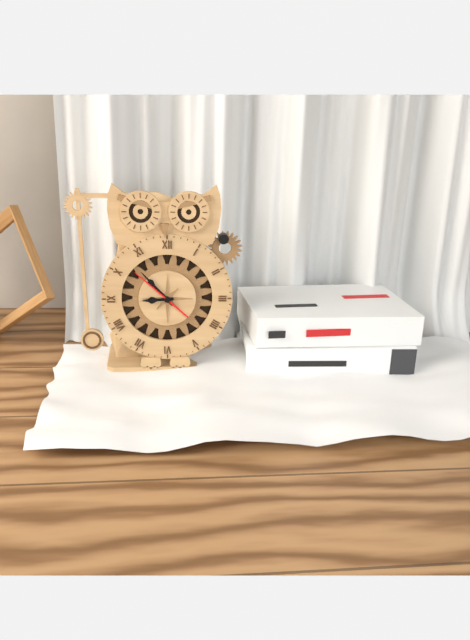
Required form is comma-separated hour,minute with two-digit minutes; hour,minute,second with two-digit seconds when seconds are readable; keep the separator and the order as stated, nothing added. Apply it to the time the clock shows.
8,53
